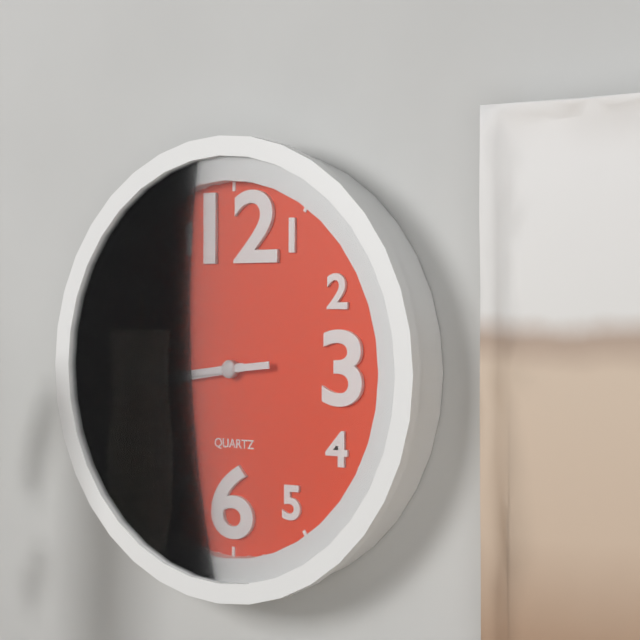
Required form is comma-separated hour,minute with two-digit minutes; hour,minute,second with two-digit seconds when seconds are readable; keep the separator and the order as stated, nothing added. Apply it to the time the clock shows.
8,44
